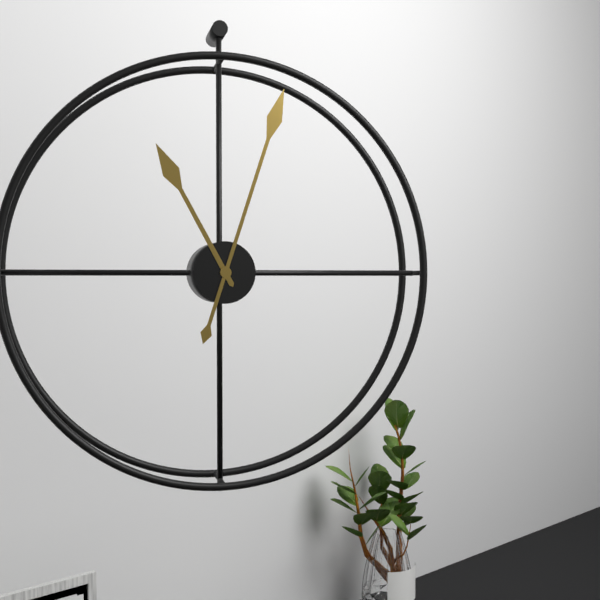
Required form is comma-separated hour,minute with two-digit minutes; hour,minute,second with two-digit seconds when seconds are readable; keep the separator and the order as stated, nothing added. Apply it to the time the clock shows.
11,03
